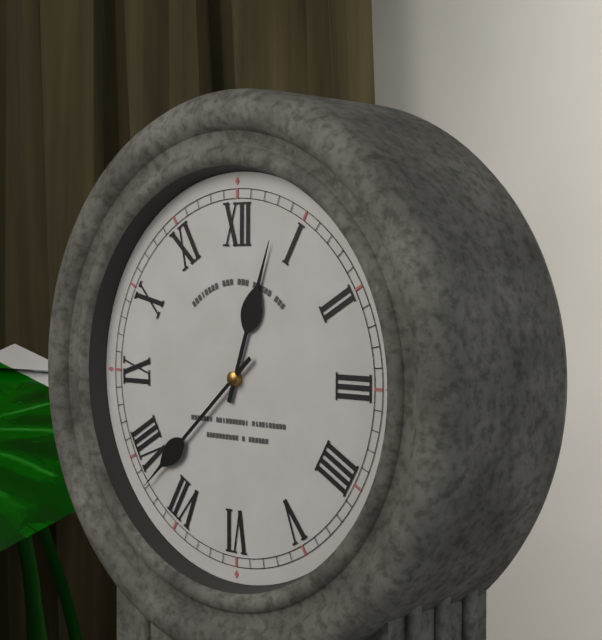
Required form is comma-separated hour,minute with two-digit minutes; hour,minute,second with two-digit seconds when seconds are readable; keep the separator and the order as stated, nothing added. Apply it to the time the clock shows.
12,38
